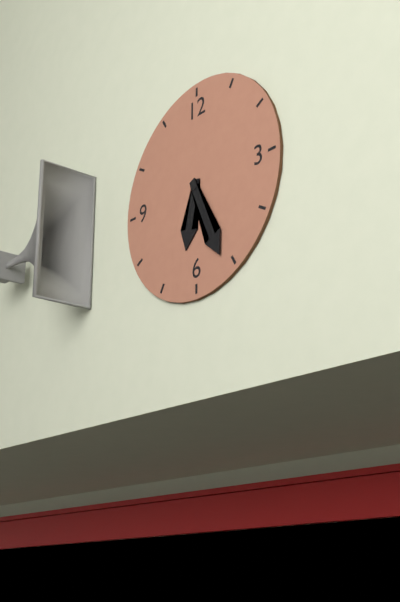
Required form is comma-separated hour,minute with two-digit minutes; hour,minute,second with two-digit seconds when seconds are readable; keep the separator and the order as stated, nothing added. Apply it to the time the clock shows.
6,26
